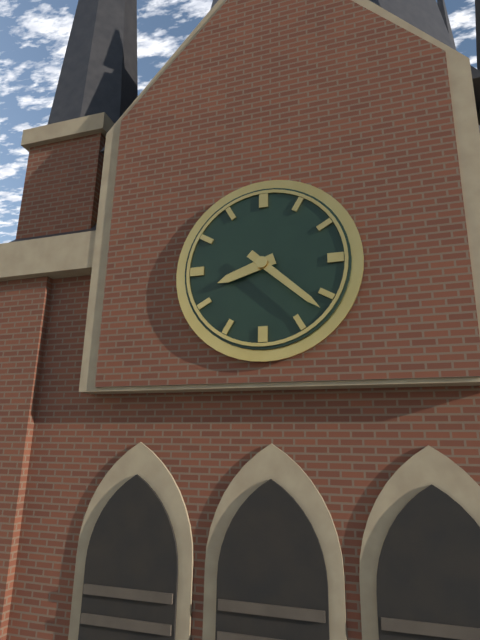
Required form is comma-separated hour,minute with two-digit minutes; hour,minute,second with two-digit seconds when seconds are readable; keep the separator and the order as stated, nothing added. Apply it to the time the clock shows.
8,22
